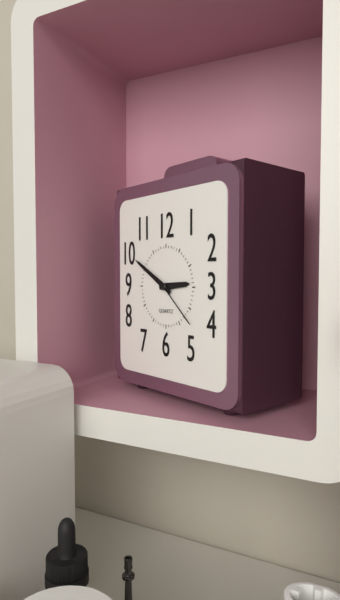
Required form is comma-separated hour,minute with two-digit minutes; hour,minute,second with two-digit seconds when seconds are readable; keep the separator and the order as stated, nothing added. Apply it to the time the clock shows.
2,50,22
